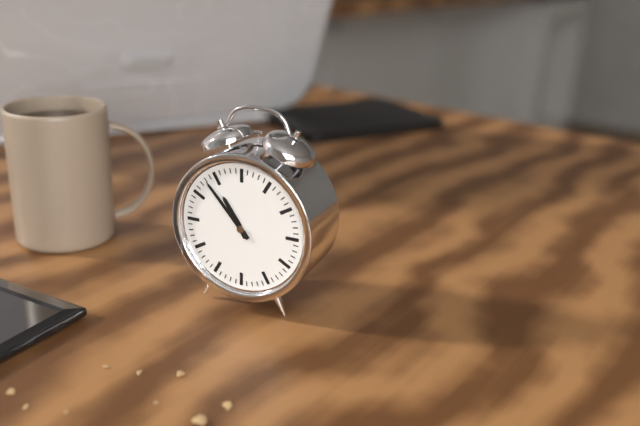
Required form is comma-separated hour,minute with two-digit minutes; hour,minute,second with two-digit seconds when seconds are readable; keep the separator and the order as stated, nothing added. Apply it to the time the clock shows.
10,53
